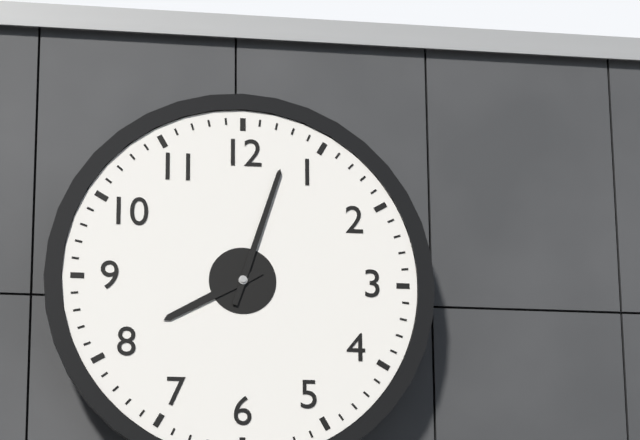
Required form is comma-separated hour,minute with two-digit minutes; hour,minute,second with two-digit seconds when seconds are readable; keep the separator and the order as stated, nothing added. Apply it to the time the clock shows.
8,03
